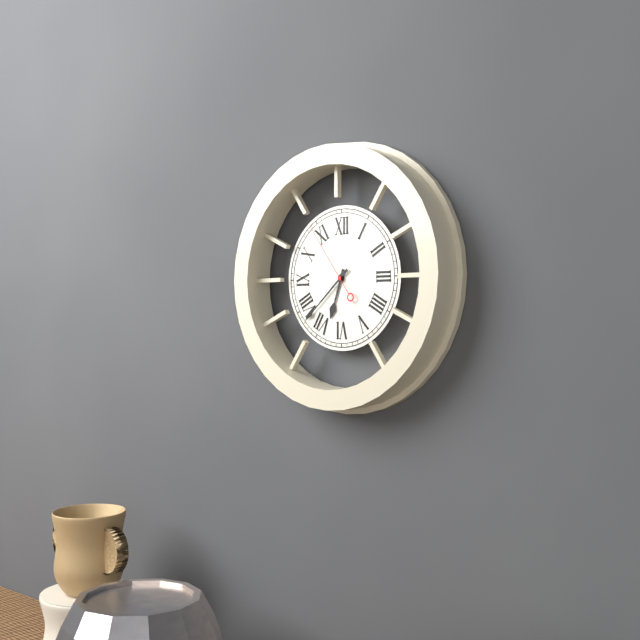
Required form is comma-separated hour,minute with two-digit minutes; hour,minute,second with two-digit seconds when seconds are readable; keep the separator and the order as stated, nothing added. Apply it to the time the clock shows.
6,38,54
